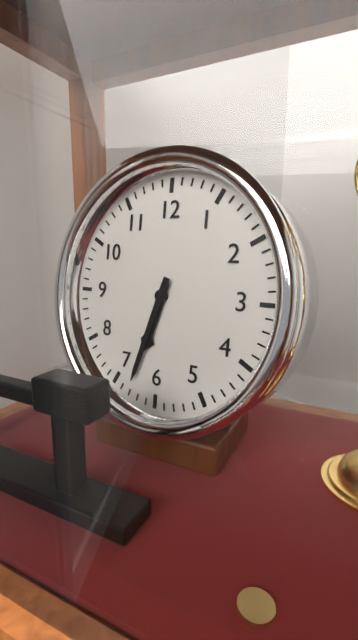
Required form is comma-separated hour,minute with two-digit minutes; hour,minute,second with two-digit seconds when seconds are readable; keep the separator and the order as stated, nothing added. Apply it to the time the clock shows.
6,33
